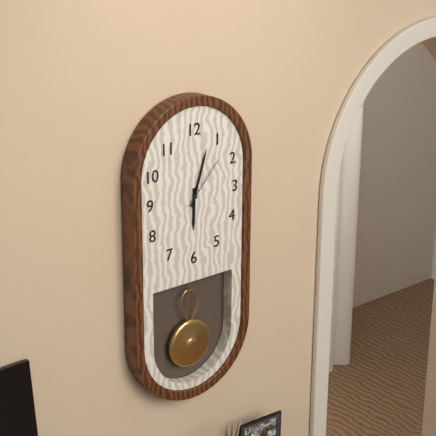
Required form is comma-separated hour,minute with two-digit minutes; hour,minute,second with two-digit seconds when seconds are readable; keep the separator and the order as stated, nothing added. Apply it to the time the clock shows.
6,03,07
